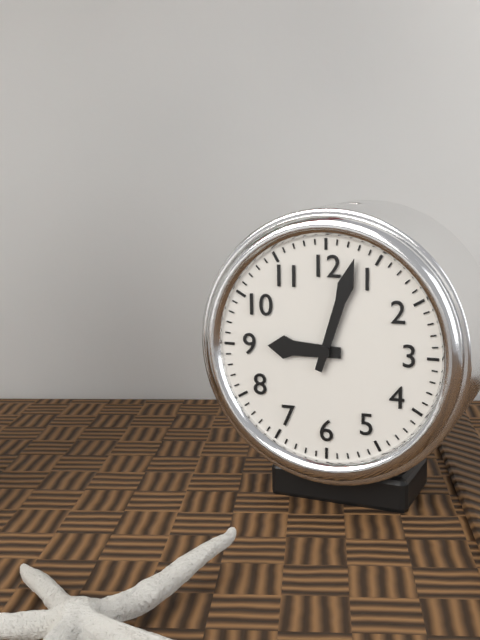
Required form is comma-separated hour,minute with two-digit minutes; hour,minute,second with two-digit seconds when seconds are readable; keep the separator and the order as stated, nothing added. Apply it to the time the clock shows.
9,03
